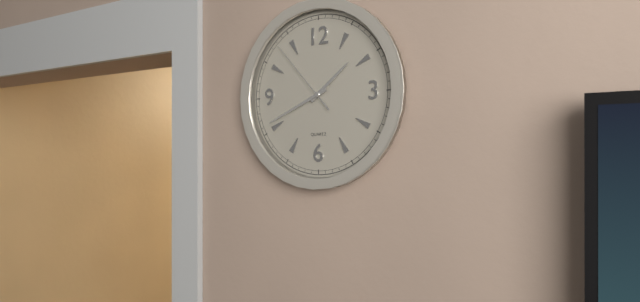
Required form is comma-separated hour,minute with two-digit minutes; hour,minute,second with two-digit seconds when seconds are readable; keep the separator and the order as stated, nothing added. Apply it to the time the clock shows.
1,41,53
